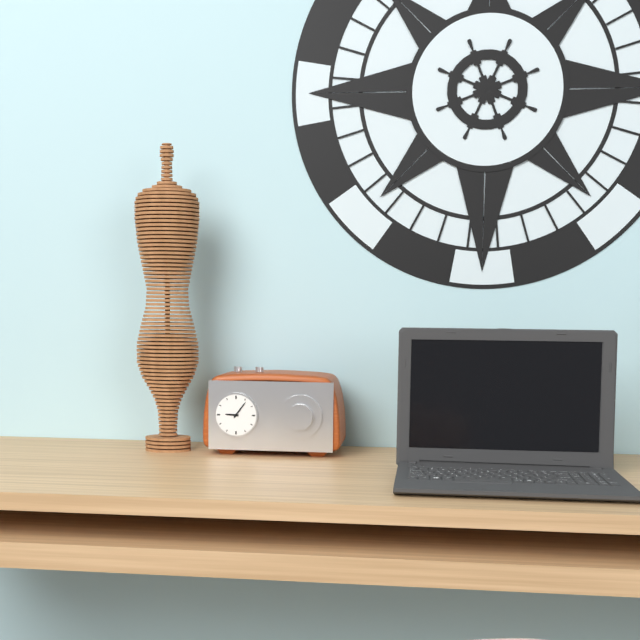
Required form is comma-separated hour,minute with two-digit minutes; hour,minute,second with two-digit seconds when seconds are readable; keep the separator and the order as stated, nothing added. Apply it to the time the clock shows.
9,06
